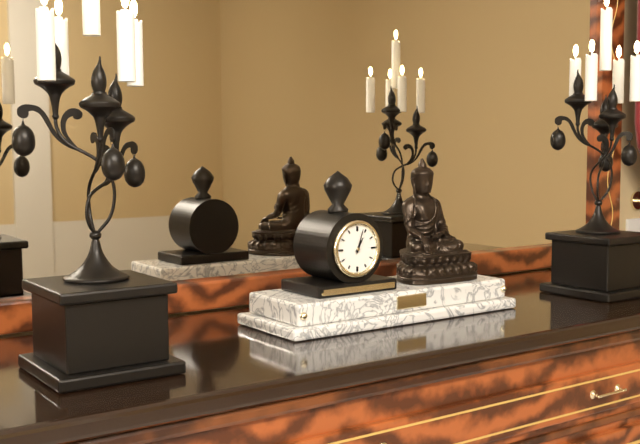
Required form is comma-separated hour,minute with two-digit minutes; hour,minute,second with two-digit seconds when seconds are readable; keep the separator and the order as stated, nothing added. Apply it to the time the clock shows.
1,03
